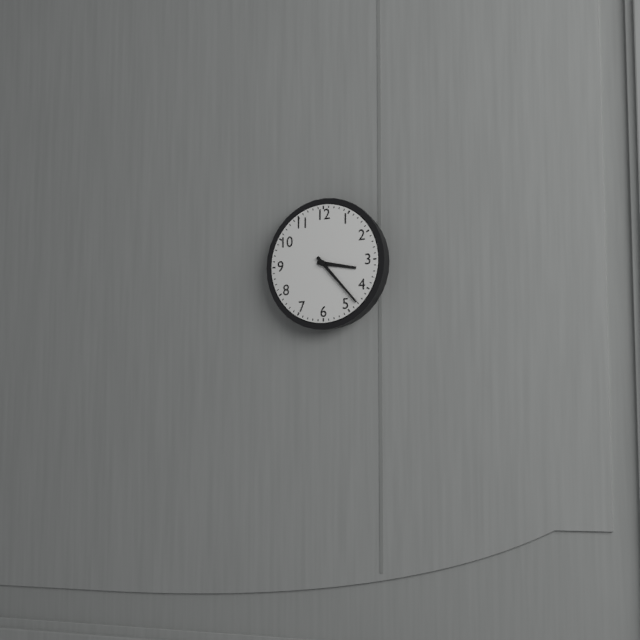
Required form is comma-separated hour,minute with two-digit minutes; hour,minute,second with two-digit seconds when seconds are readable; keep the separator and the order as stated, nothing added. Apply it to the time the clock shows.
3,23
